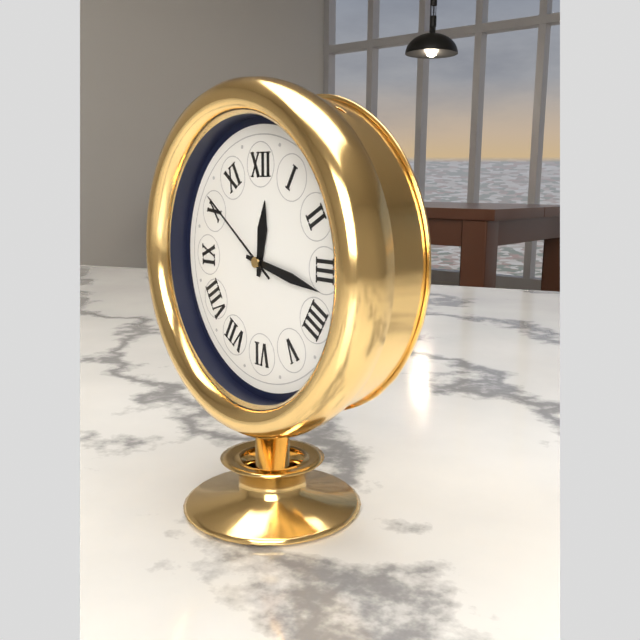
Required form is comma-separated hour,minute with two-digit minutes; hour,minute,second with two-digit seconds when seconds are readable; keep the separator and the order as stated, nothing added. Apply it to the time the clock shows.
12,17,51
